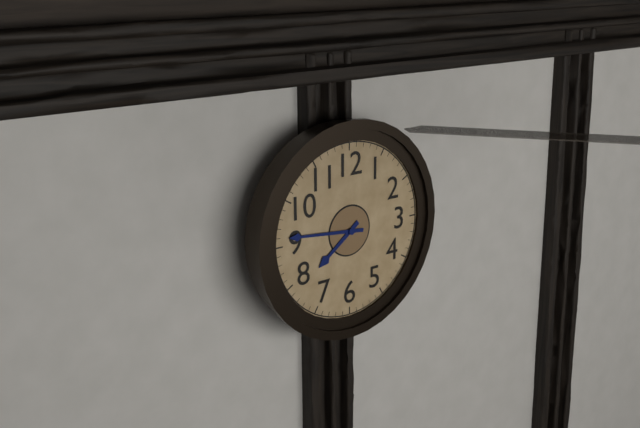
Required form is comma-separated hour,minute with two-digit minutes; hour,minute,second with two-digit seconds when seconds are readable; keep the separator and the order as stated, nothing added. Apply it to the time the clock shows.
7,46
